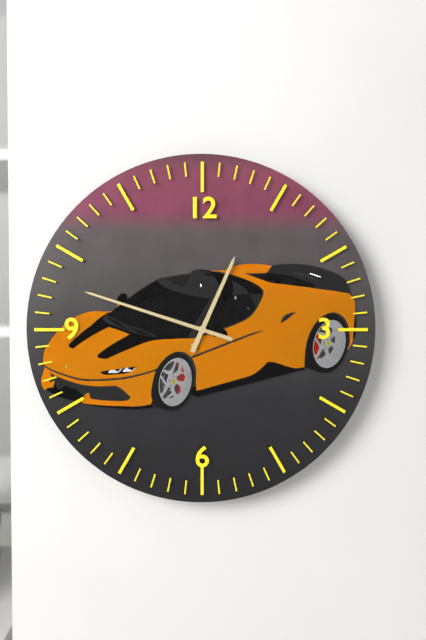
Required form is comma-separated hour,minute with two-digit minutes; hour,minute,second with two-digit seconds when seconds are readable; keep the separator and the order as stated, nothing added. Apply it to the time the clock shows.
12,48
